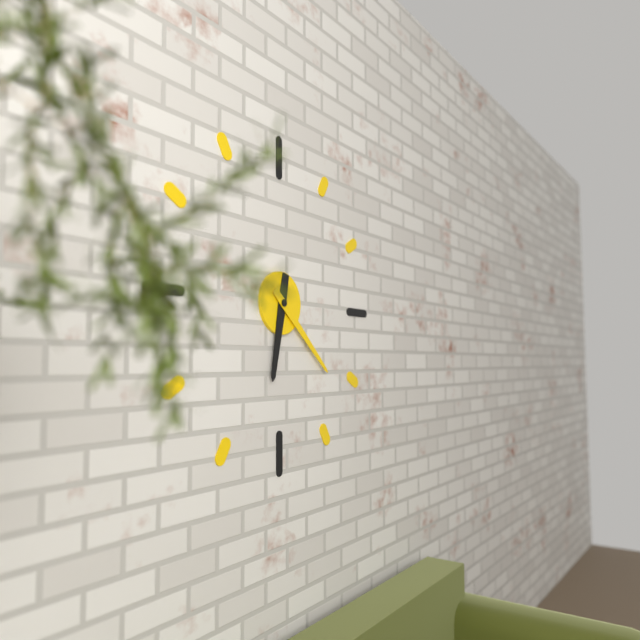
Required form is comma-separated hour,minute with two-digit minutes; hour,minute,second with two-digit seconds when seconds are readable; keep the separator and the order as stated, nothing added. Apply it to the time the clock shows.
6,22
